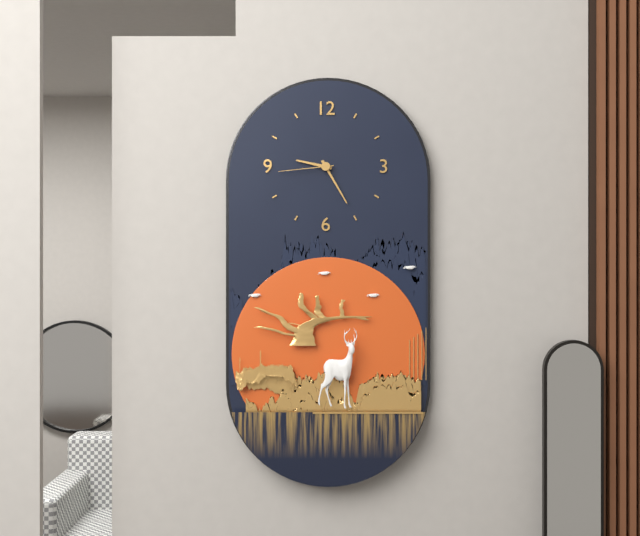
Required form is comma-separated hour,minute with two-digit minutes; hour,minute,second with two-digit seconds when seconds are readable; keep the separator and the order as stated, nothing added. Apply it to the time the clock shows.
9,25,44
